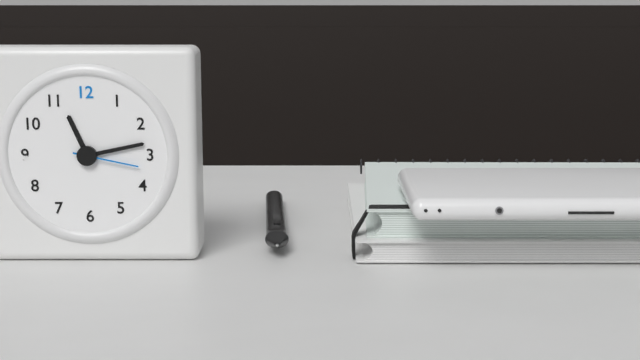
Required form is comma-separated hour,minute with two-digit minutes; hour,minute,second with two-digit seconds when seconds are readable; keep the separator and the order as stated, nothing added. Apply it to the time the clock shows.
11,13,17
